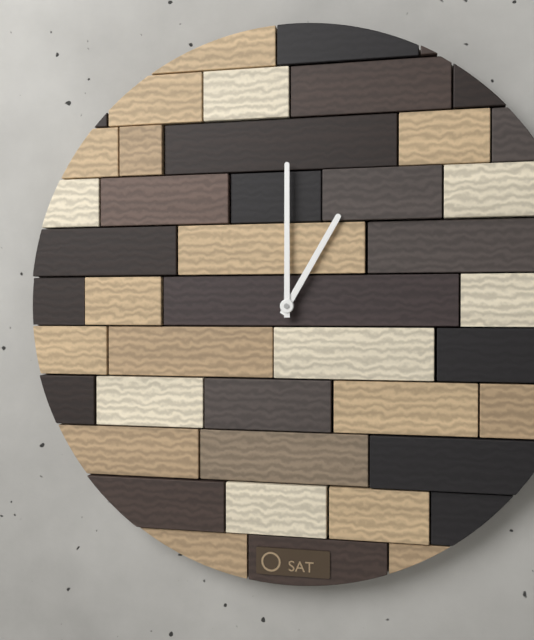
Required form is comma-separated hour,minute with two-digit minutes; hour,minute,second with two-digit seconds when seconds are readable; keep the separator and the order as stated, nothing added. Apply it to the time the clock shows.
1,00
